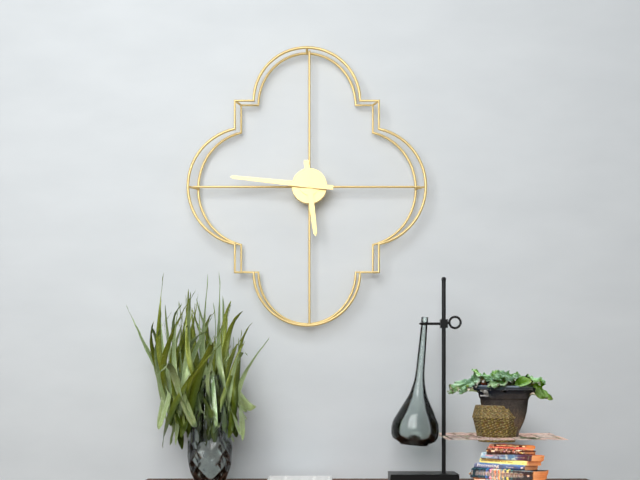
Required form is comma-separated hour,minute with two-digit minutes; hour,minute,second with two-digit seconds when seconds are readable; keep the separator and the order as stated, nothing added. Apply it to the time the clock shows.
5,46
